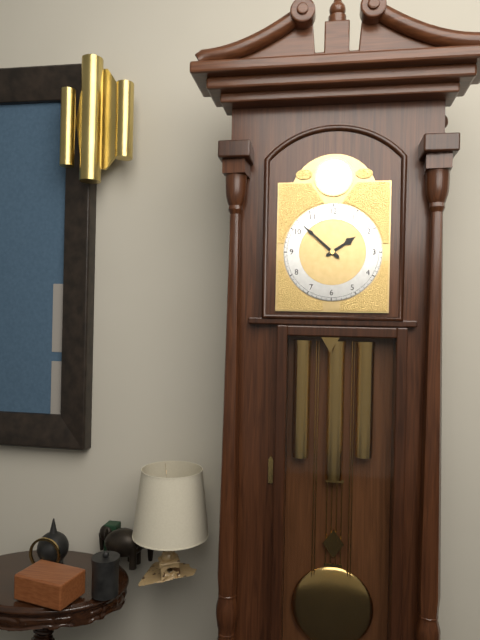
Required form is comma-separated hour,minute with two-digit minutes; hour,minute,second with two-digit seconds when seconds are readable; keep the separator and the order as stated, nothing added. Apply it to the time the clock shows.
1,52
